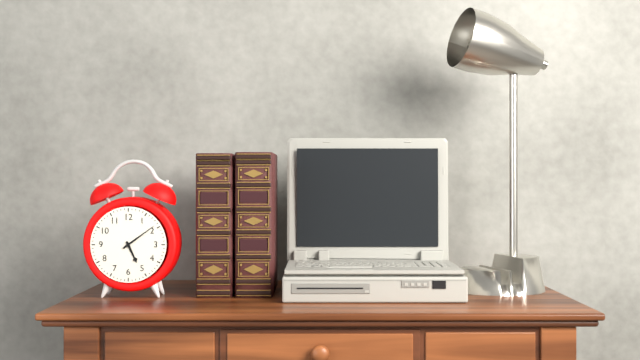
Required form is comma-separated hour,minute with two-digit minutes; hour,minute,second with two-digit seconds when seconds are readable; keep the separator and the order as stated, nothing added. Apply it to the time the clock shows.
5,09
